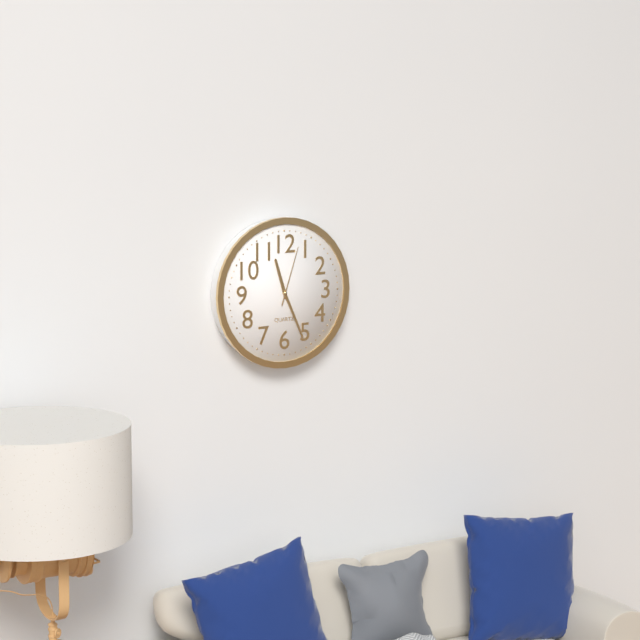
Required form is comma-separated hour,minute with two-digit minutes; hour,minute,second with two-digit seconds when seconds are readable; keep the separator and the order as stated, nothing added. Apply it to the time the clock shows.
11,26,03
